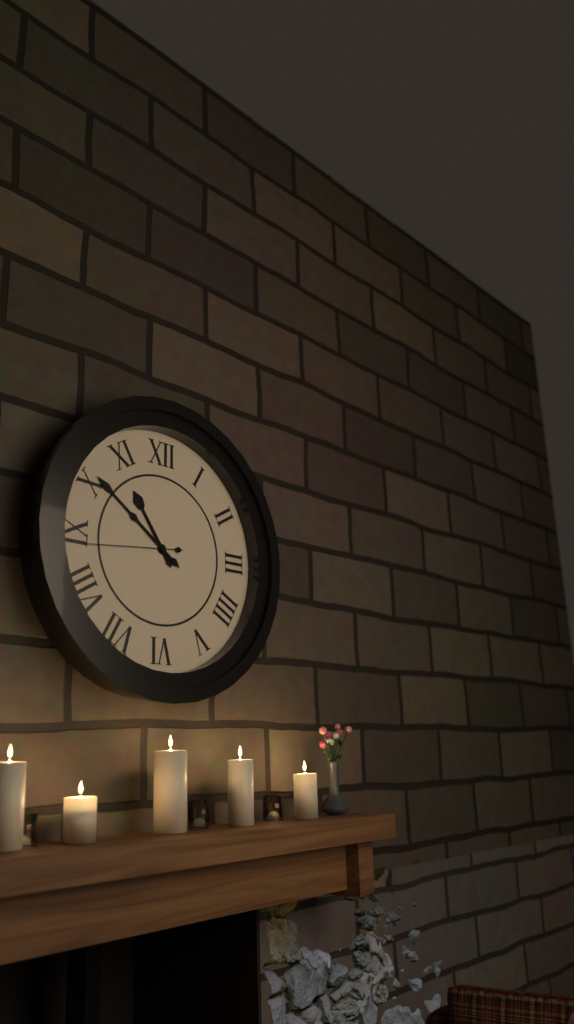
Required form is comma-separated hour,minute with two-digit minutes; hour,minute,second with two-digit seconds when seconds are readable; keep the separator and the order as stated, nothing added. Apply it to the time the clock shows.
10,51,44
